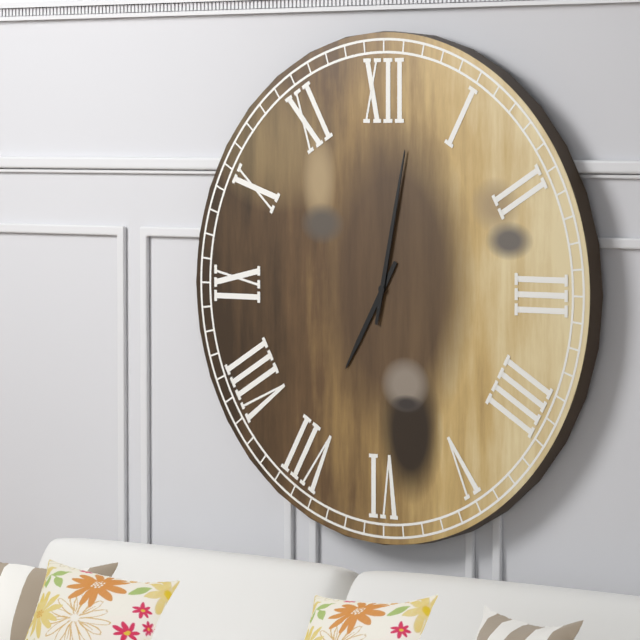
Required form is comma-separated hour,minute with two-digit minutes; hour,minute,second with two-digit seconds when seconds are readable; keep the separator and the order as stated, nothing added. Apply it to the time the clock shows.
7,02
